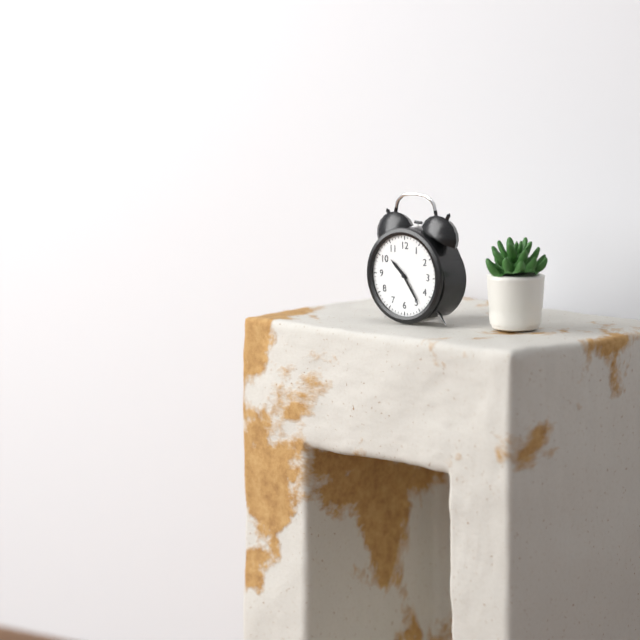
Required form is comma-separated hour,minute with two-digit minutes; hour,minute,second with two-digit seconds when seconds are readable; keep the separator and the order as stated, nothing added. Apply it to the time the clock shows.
10,24
